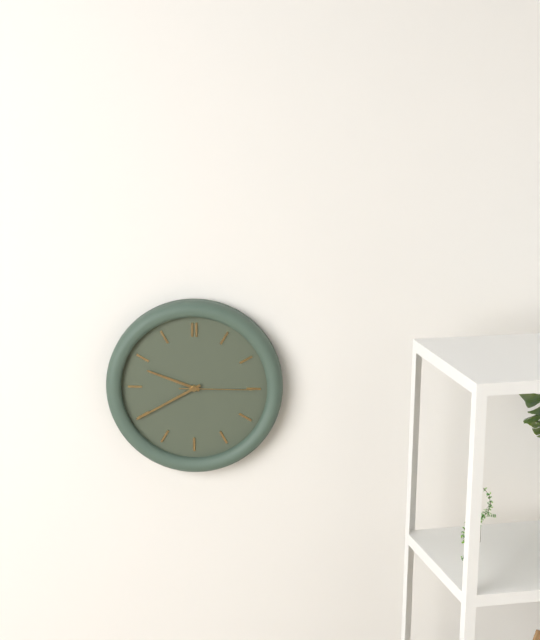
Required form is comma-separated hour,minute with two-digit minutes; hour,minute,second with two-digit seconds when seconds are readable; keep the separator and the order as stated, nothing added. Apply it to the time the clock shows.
9,40,15
